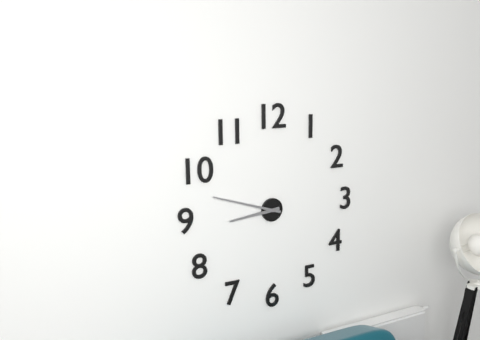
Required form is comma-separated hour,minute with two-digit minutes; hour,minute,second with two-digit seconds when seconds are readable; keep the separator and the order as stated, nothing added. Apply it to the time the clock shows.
8,48
